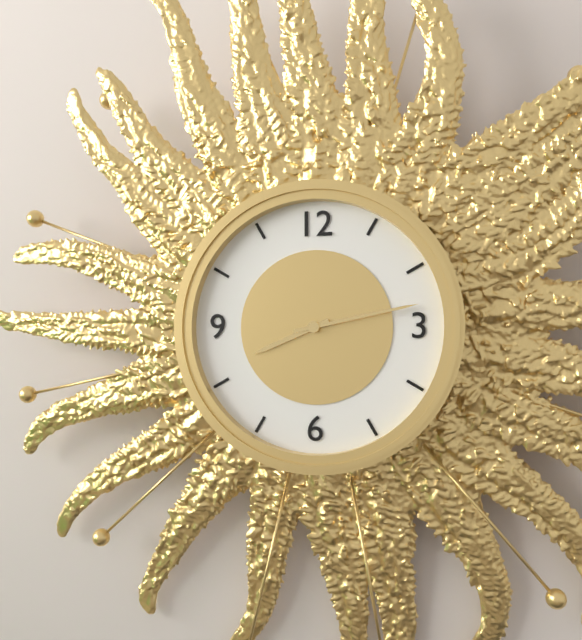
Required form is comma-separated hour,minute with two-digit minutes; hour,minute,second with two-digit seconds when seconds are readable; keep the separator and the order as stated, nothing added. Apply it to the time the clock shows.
8,13
